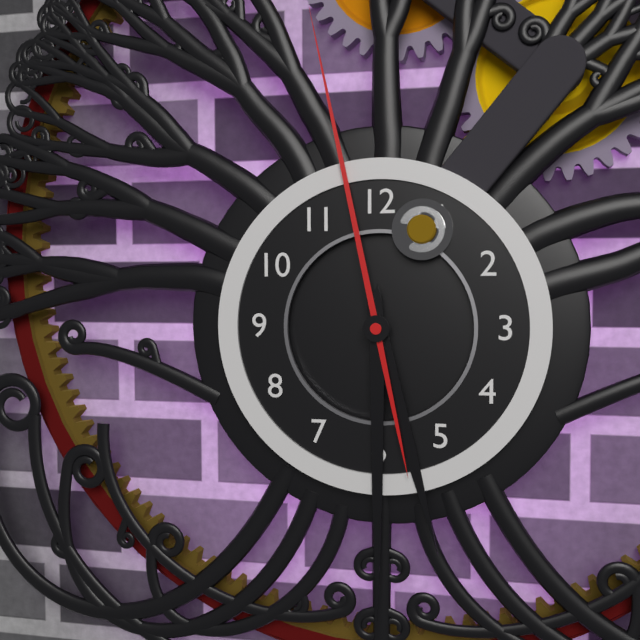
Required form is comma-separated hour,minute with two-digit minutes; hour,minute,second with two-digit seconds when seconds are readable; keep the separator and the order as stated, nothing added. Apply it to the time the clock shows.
5,30,58
